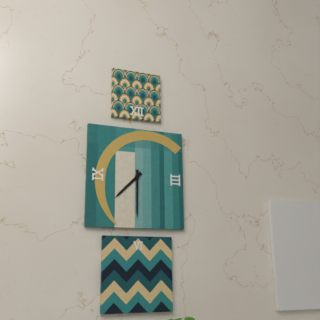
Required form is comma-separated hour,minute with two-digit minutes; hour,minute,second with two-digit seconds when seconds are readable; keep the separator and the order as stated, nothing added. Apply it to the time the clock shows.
7,30
